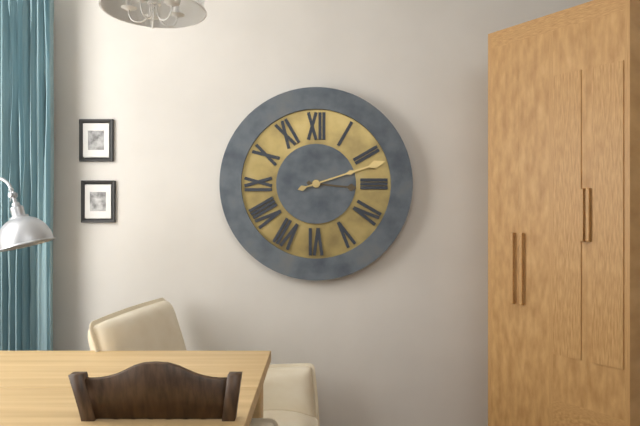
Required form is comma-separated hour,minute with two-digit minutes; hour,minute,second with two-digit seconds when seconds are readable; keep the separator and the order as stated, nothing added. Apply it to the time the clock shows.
3,12
